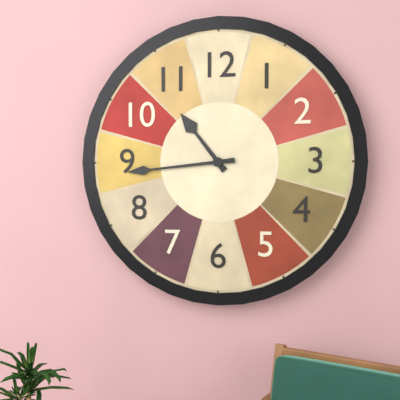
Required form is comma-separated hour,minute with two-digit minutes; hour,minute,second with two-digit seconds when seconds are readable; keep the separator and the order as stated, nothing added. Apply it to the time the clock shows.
10,44
